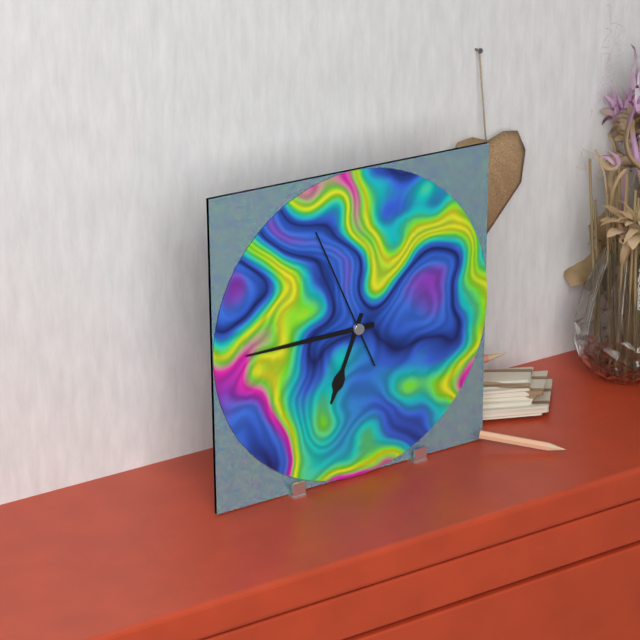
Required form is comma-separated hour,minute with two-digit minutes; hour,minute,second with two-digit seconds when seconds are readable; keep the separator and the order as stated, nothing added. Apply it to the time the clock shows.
6,45,56
